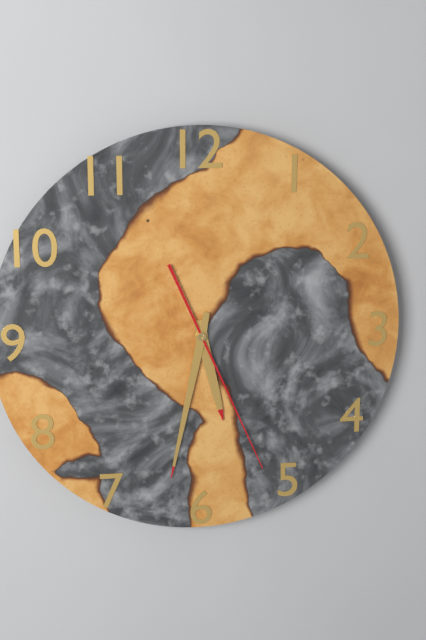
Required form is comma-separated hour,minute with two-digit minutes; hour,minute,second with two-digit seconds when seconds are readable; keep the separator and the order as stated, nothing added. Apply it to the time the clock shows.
5,32,26
